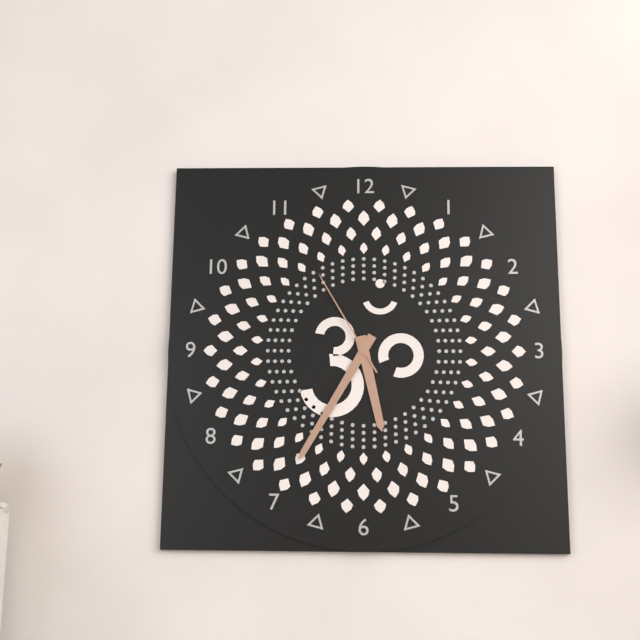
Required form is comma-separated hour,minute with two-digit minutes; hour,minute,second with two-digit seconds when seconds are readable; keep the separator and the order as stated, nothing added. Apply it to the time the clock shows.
5,35,55
